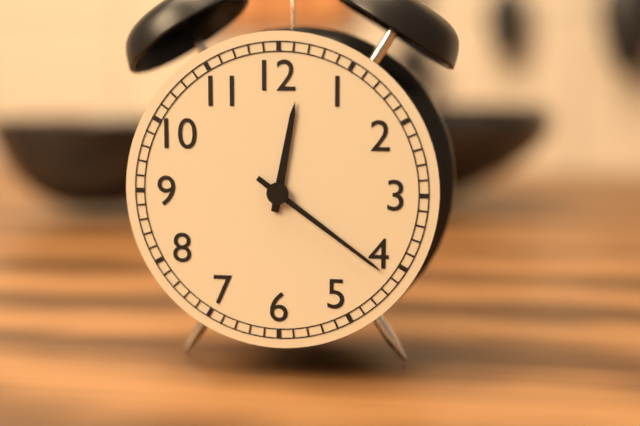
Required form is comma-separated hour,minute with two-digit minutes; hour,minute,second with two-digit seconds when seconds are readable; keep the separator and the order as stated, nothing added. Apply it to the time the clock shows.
12,21
